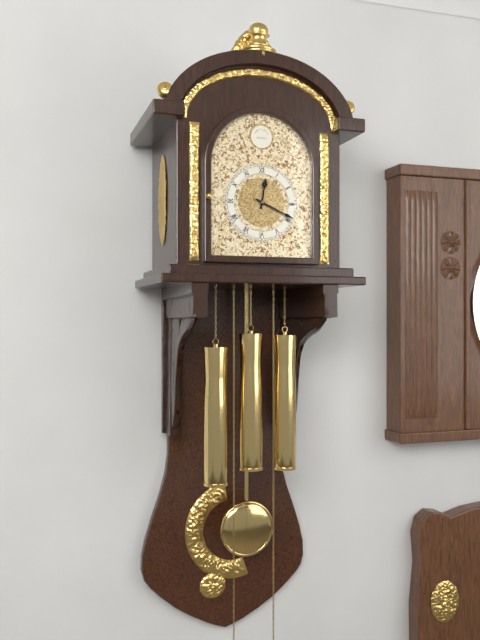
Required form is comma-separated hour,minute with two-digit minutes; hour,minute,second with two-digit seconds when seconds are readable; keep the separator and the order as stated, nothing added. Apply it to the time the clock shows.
12,19
